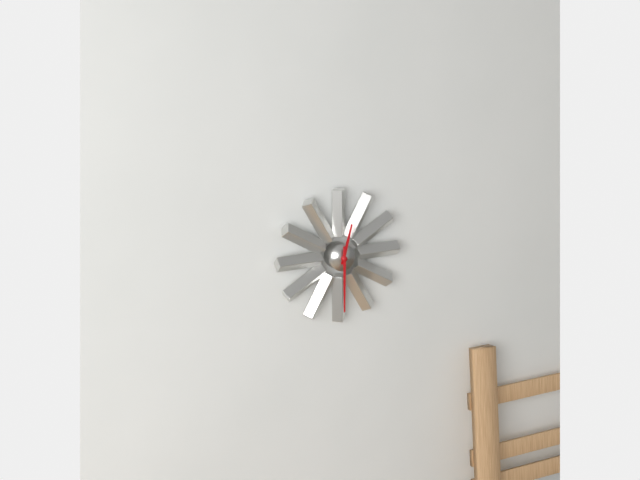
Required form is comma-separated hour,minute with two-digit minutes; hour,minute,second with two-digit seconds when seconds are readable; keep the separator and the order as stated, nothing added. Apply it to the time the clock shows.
12,30
